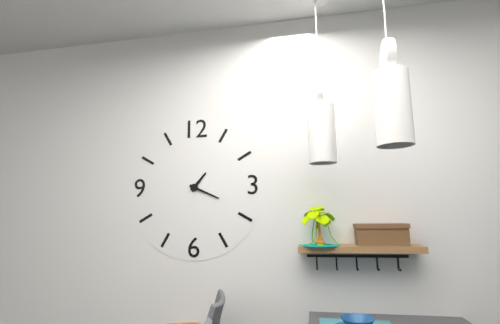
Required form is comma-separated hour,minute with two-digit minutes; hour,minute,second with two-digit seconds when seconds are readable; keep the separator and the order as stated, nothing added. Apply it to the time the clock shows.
1,19
